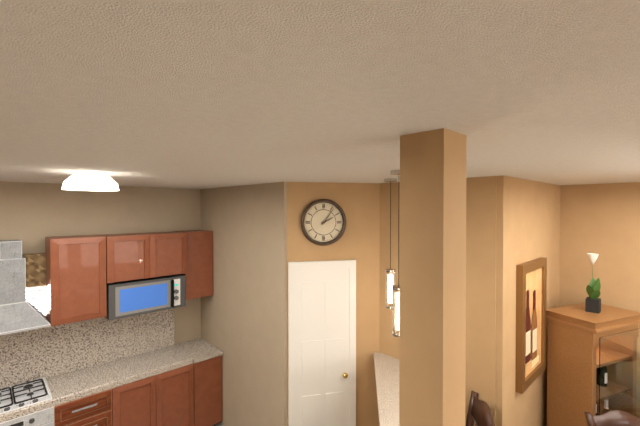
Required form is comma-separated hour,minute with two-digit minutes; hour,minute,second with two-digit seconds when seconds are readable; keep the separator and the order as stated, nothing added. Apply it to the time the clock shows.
2,06
